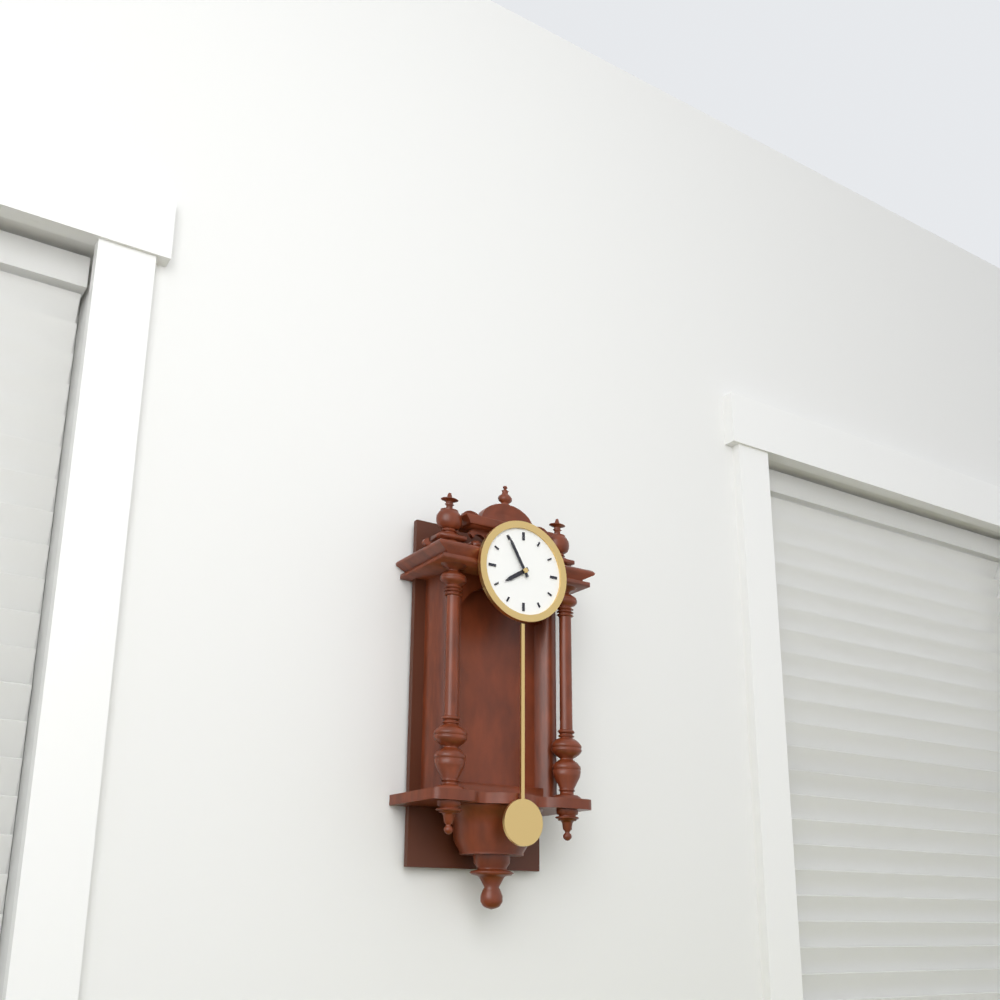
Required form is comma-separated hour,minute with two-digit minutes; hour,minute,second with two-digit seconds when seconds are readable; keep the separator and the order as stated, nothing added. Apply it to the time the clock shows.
7,55
